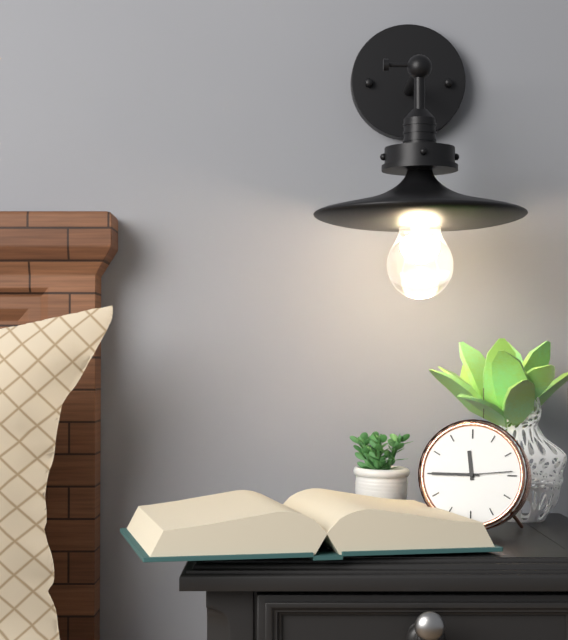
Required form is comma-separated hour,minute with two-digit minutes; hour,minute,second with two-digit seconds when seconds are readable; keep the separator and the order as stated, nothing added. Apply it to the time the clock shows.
11,45,14
